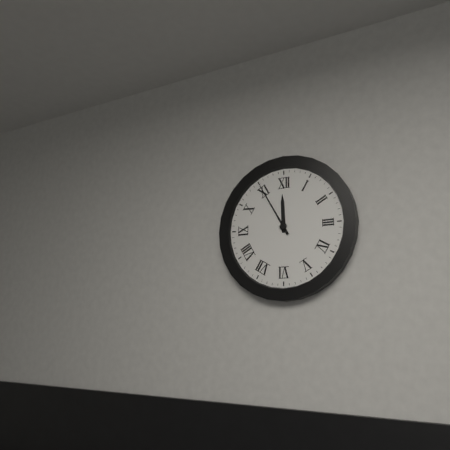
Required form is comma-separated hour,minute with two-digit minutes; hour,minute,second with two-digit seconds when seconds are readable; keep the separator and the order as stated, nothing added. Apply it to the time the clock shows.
11,55
